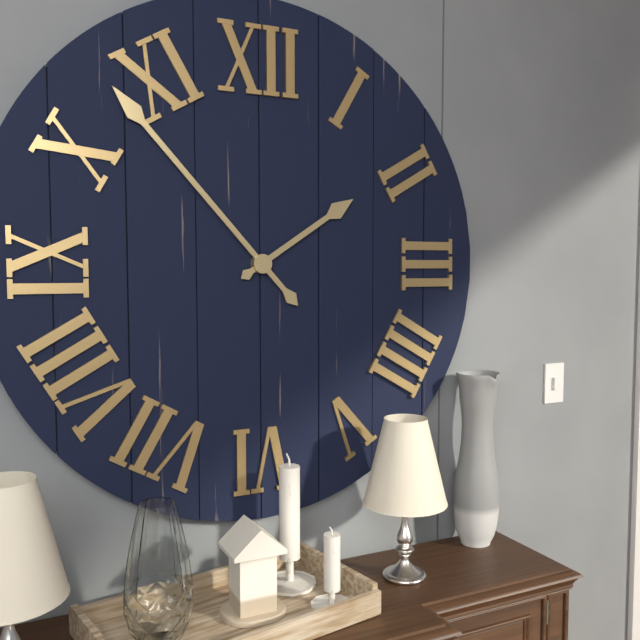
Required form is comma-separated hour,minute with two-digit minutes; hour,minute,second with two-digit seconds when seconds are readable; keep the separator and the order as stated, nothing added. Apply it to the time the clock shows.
1,53
